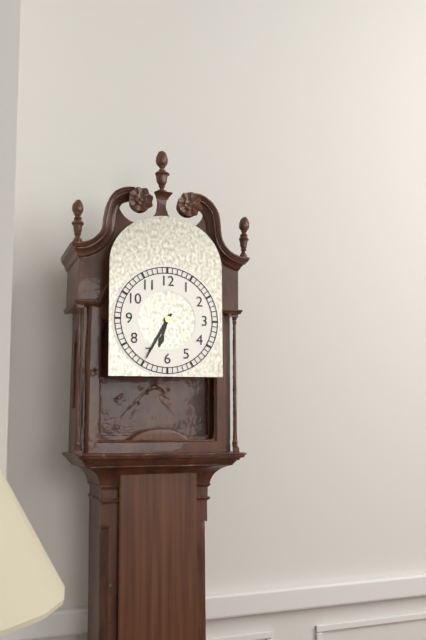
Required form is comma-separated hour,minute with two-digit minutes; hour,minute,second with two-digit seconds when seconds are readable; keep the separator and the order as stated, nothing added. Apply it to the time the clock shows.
6,35
